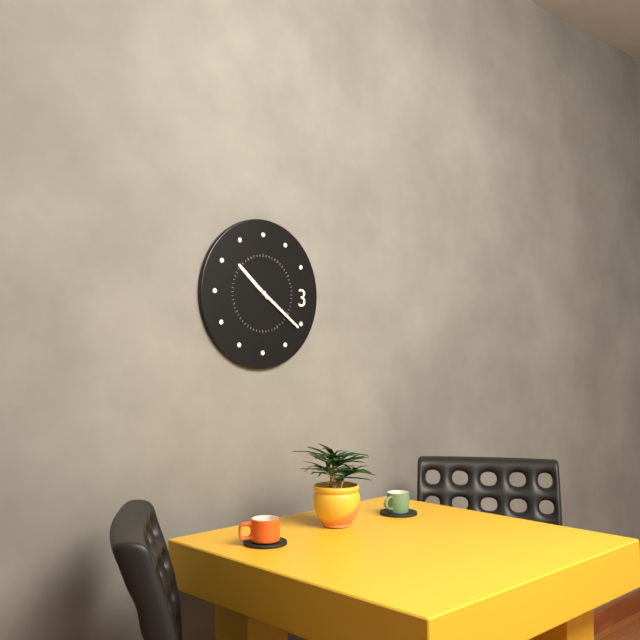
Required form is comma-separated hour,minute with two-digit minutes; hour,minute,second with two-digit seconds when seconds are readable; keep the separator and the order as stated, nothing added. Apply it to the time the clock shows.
10,21
